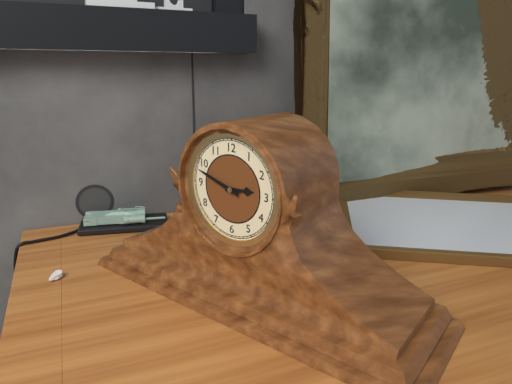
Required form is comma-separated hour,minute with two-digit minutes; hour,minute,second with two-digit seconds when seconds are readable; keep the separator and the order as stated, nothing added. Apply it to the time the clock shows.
2,48
